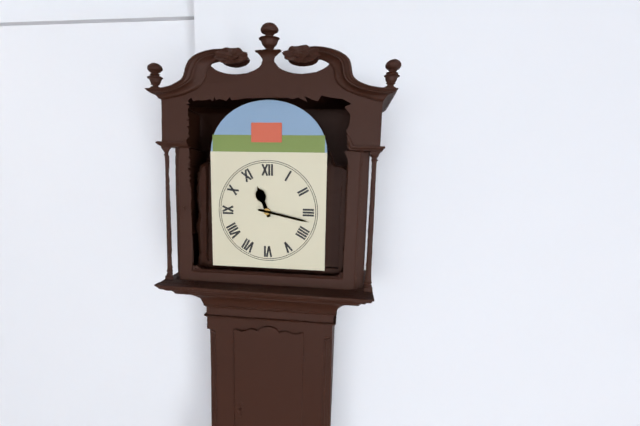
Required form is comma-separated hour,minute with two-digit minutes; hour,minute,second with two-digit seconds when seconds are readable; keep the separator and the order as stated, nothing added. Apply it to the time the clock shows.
11,17
